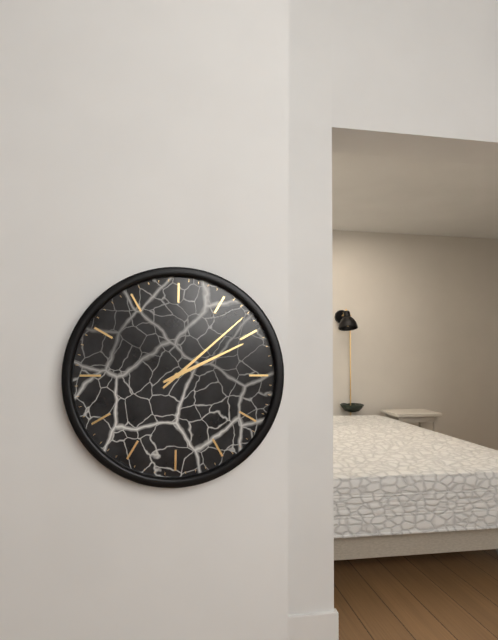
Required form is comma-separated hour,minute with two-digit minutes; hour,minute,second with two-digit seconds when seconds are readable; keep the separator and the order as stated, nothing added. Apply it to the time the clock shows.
2,08
